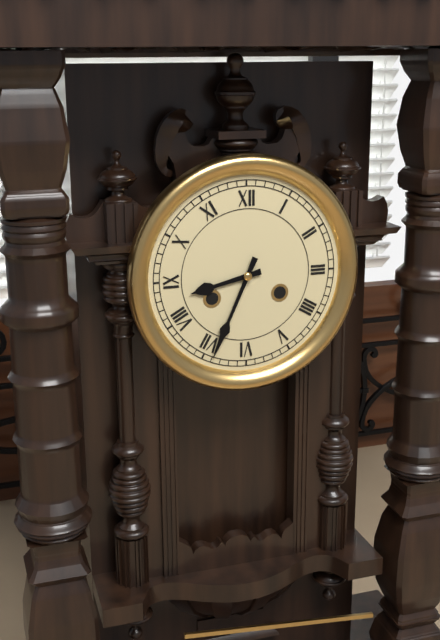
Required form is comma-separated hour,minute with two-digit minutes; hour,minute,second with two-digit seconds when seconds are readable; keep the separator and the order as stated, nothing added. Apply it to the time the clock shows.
8,34
